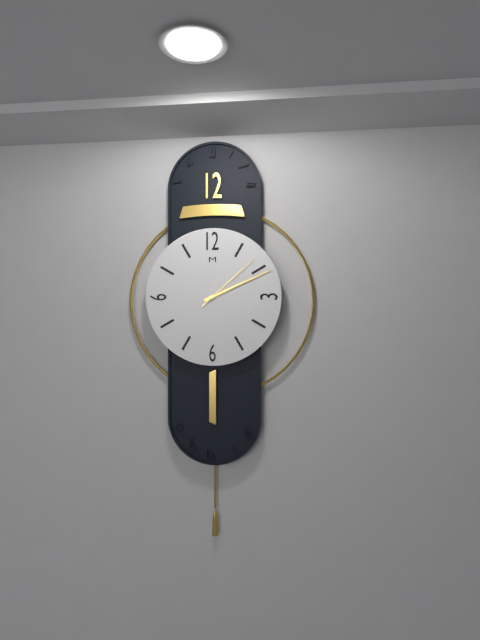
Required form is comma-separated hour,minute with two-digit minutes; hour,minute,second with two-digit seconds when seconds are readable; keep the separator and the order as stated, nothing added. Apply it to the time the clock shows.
2,11,08
